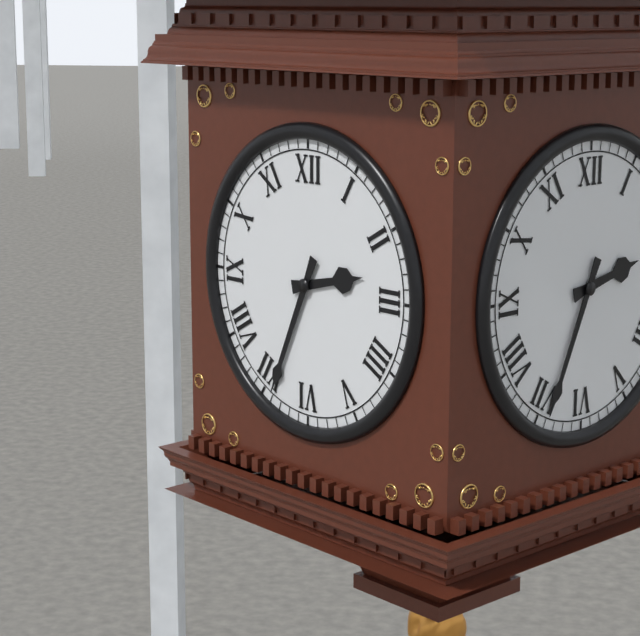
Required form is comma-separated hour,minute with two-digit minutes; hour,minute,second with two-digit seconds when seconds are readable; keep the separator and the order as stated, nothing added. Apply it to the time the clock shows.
2,34
